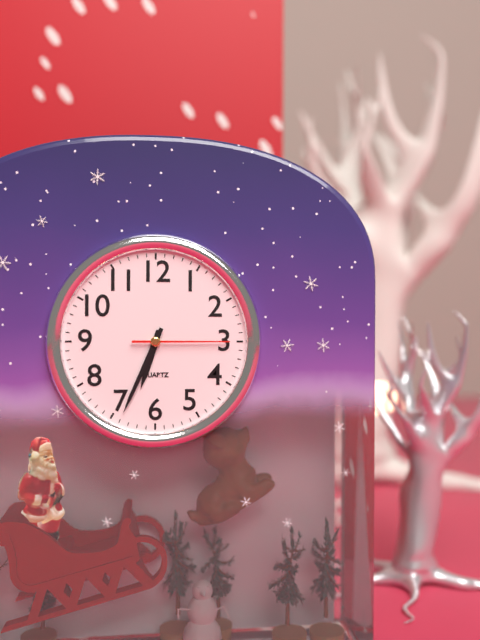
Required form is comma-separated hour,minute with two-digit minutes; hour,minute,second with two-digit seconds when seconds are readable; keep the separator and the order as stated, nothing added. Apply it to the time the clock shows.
6,34,15
